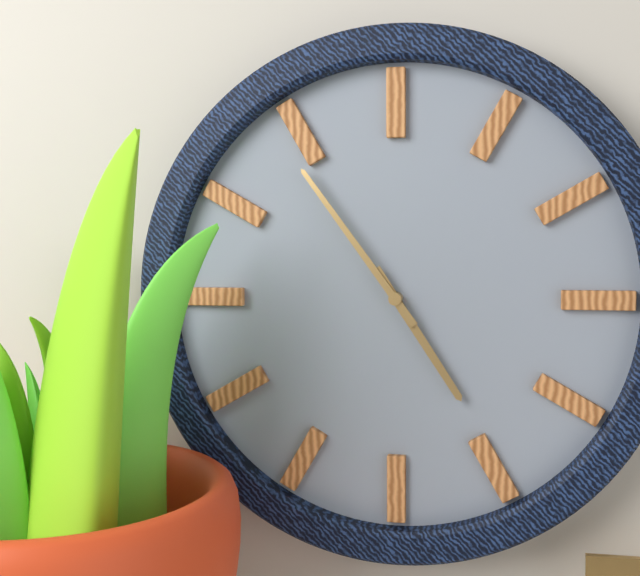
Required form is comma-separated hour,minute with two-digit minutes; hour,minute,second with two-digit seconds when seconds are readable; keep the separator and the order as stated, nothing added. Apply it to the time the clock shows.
4,54
